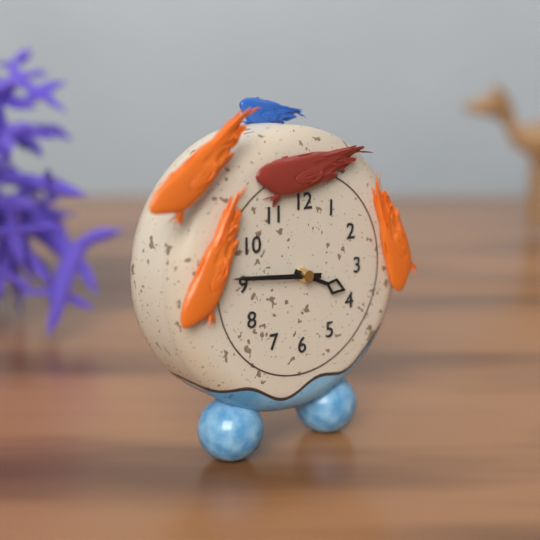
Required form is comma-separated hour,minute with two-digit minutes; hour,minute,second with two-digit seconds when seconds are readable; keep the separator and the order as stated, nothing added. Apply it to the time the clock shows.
3,46
